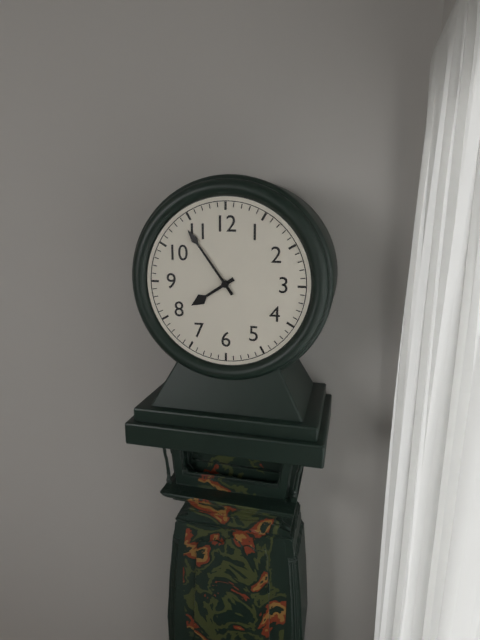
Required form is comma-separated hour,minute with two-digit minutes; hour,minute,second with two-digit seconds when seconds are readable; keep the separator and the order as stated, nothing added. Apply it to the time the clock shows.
7,54
